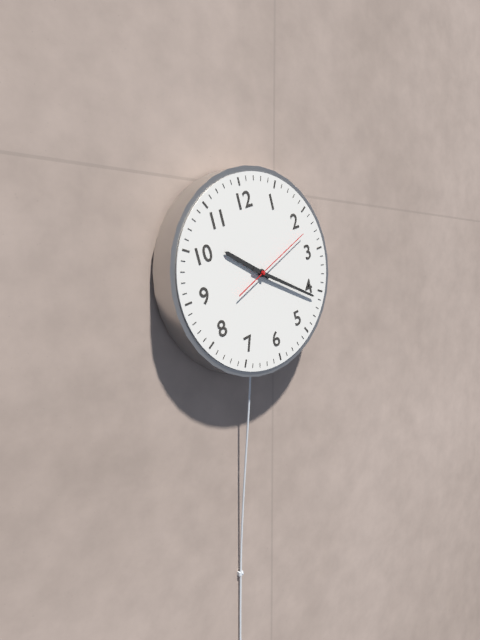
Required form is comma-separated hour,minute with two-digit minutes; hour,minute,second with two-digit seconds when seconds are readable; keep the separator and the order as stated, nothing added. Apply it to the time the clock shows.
10,21,12
